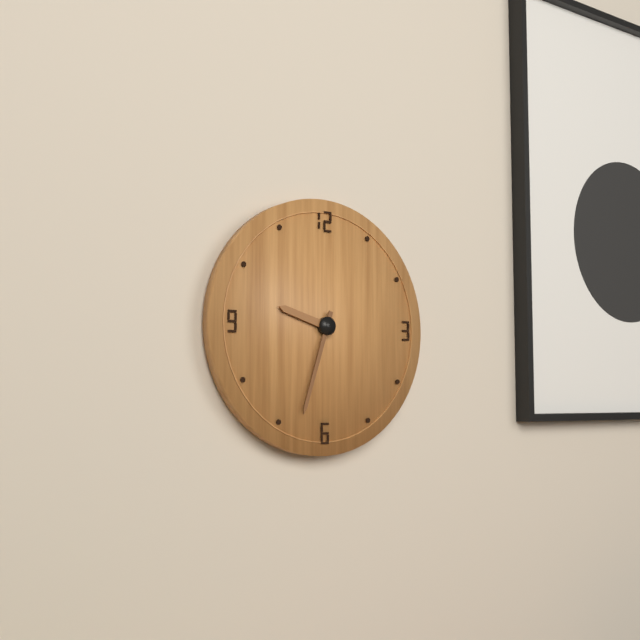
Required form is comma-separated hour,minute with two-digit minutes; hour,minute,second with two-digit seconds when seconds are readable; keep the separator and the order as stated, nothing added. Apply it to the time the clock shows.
9,33
